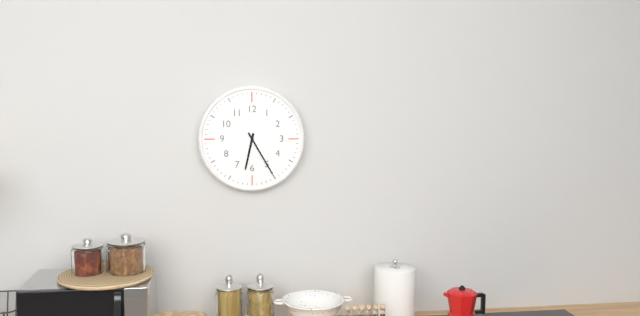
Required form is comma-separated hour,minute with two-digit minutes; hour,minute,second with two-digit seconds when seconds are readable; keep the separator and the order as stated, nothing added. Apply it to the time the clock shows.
6,25
